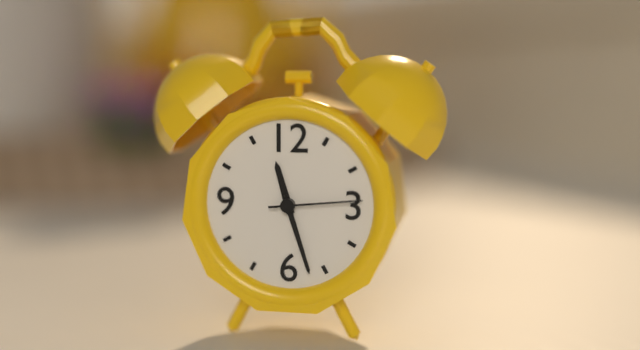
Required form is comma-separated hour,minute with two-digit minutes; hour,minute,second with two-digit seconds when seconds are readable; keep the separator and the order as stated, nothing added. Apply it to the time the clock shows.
11,27,14
